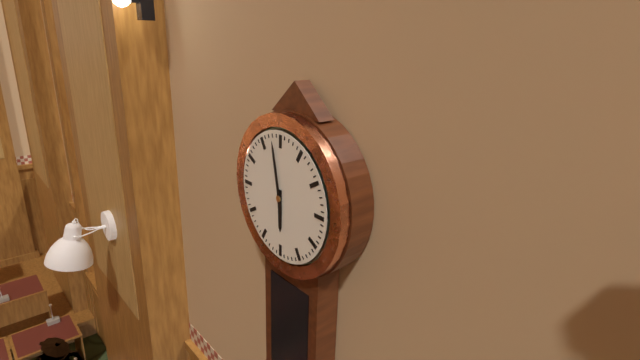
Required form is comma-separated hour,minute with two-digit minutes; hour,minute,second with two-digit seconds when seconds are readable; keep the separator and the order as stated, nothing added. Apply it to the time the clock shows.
5,58
